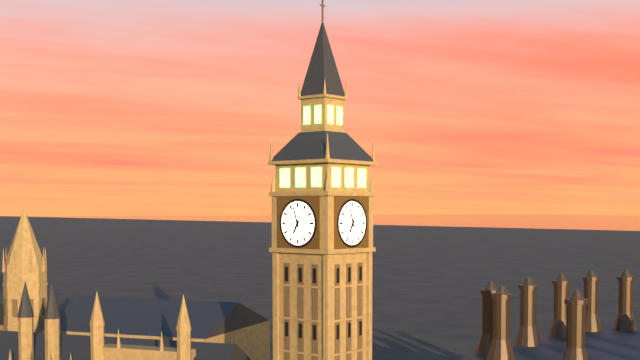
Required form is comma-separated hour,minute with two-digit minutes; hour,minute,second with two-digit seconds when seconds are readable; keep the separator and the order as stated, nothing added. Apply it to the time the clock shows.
6,57
